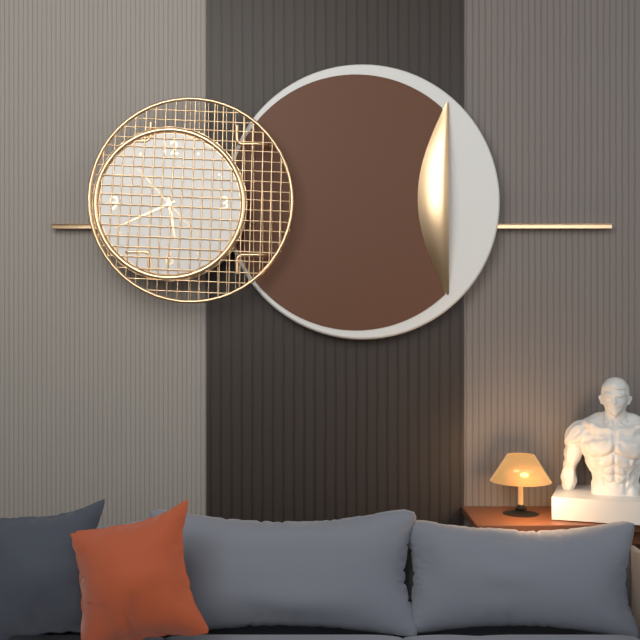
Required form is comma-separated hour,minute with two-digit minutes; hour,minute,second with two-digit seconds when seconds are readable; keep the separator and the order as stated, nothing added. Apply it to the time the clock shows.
5,41,53
